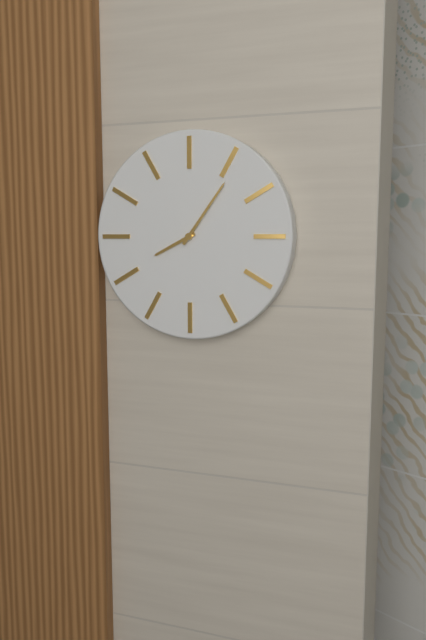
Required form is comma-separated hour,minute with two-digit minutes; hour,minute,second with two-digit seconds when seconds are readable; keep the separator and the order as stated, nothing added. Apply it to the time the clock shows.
8,06
